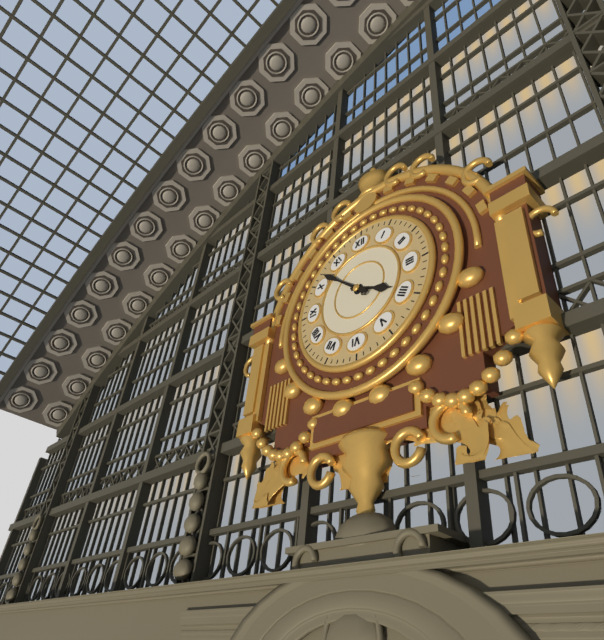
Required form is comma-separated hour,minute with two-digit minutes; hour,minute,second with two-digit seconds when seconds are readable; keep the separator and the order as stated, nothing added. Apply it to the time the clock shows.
3,52
